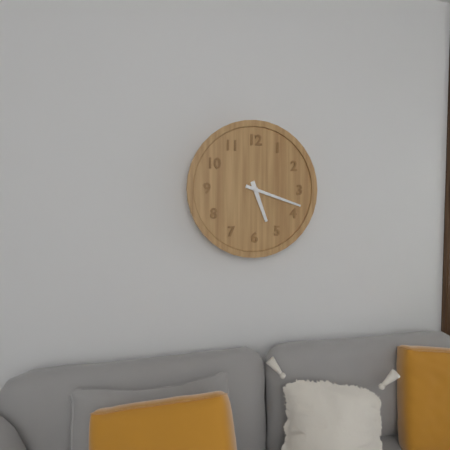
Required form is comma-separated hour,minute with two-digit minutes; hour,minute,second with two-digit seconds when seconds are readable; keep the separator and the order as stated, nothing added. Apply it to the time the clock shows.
5,18
